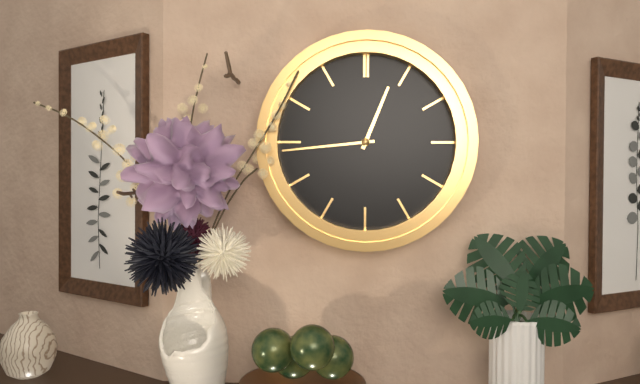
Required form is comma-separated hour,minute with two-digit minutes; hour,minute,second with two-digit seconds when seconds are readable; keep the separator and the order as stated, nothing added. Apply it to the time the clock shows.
12,44
